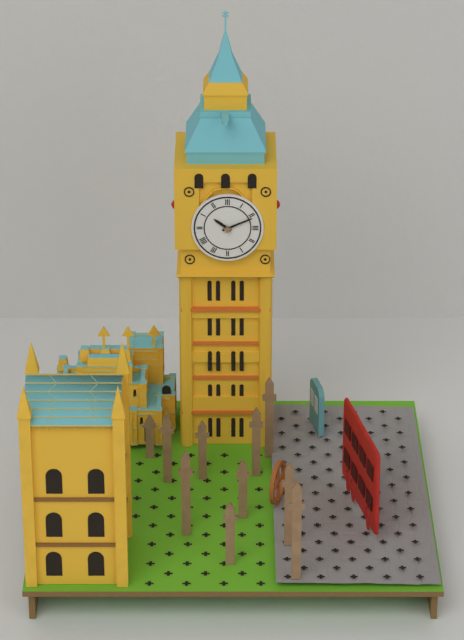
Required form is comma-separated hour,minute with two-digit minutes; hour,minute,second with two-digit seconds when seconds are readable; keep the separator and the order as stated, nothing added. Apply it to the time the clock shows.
10,11
